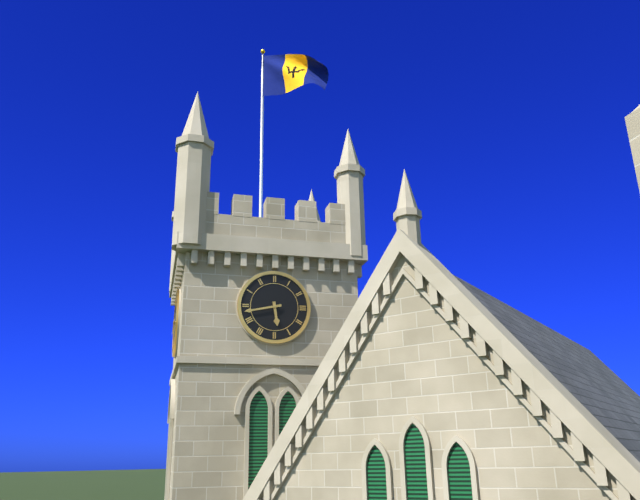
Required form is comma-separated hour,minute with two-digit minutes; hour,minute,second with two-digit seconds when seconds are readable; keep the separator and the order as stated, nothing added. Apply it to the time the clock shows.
5,43
